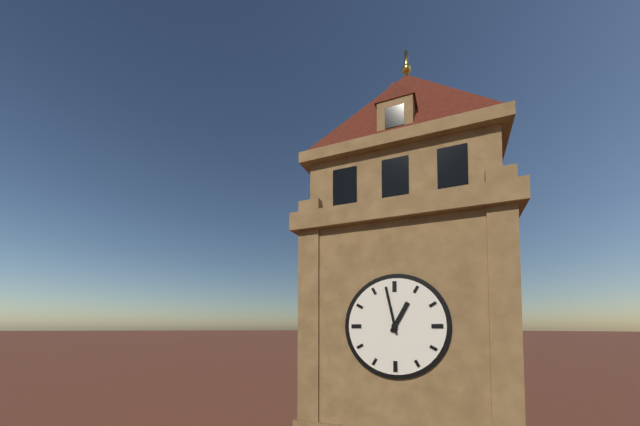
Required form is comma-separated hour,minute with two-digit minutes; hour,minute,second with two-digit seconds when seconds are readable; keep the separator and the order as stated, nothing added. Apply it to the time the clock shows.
12,58
